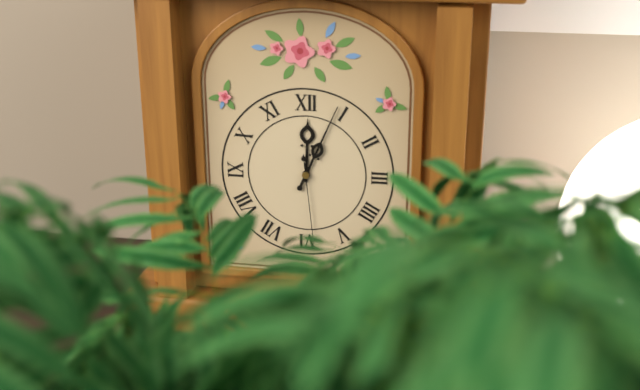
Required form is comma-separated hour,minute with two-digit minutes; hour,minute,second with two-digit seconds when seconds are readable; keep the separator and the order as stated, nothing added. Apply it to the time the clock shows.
12,04,29
